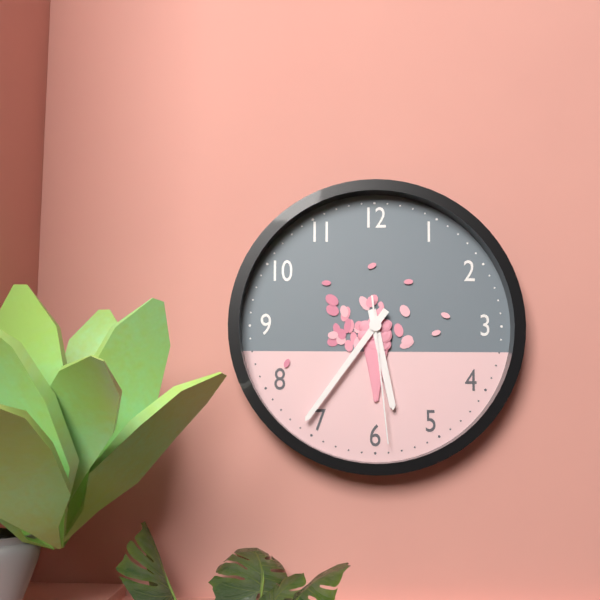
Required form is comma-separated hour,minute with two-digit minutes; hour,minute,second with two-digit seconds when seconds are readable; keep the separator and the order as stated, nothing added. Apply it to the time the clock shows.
5,36,29
